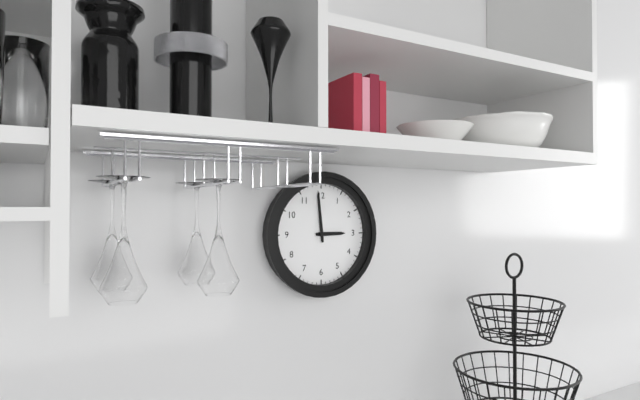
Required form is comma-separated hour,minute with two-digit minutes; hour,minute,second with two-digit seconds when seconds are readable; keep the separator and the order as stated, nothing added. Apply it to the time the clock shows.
2,59
